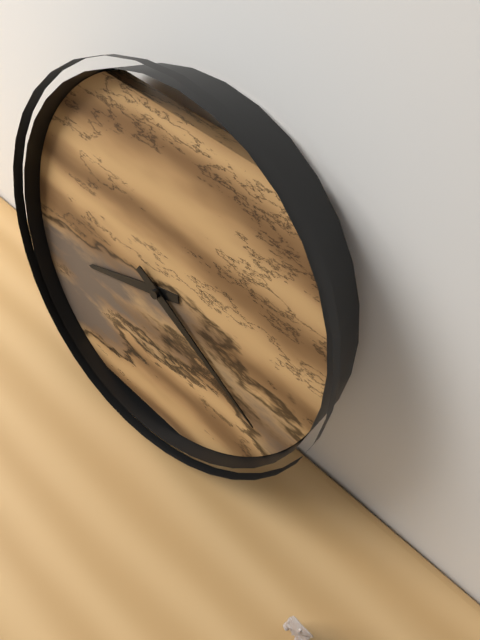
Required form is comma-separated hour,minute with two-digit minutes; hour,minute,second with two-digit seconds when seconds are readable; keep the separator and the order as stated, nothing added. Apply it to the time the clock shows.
8,19
